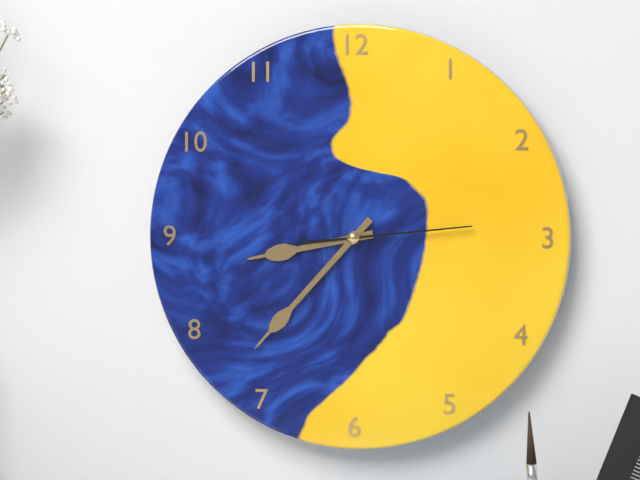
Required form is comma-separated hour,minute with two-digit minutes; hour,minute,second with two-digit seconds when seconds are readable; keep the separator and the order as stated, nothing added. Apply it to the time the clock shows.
8,37,14
